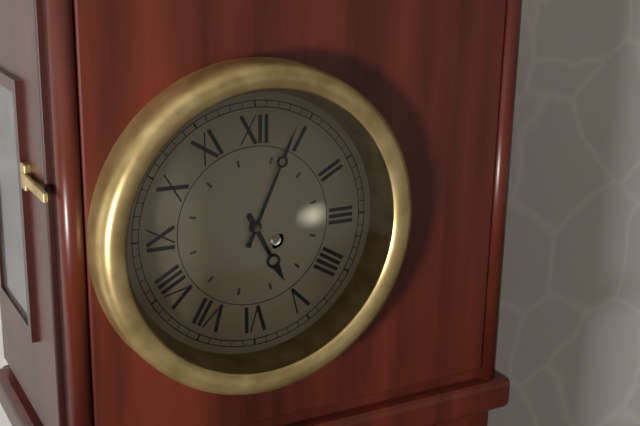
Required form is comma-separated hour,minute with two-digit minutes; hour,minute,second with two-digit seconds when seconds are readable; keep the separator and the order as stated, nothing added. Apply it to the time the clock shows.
5,04
